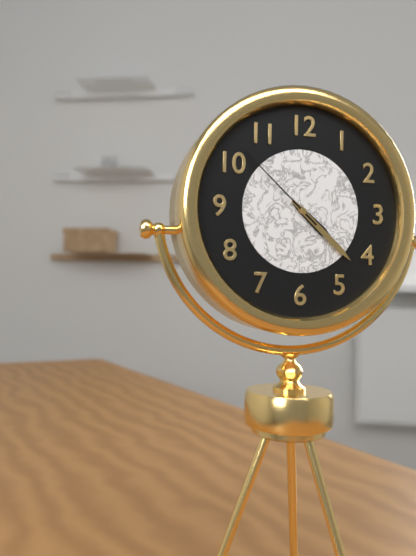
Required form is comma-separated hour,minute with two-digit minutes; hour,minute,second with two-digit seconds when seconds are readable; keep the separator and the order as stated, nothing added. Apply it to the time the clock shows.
4,22,52
